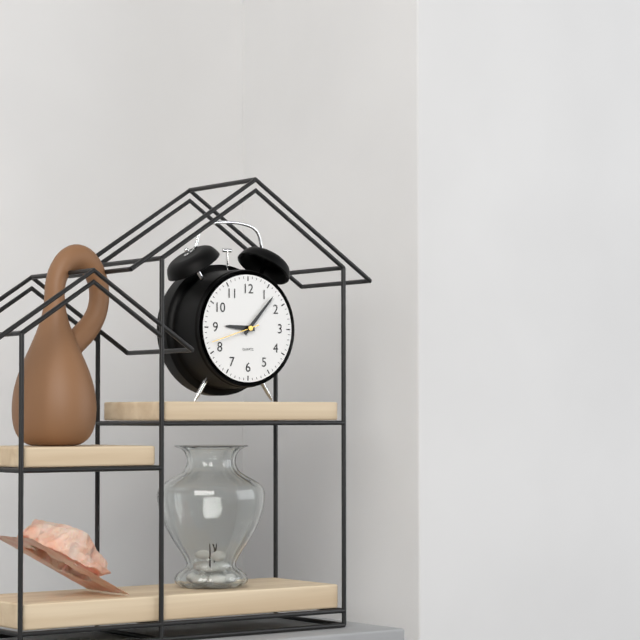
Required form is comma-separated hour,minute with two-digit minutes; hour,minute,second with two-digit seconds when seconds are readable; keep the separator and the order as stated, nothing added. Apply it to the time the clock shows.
9,07,42
